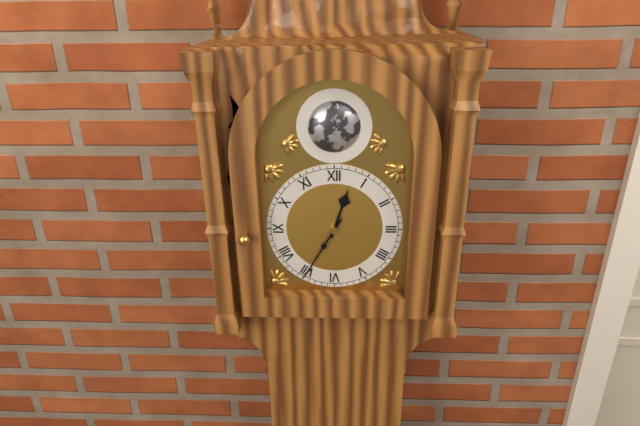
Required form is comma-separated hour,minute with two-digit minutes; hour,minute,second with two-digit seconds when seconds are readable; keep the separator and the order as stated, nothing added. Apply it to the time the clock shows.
12,35
